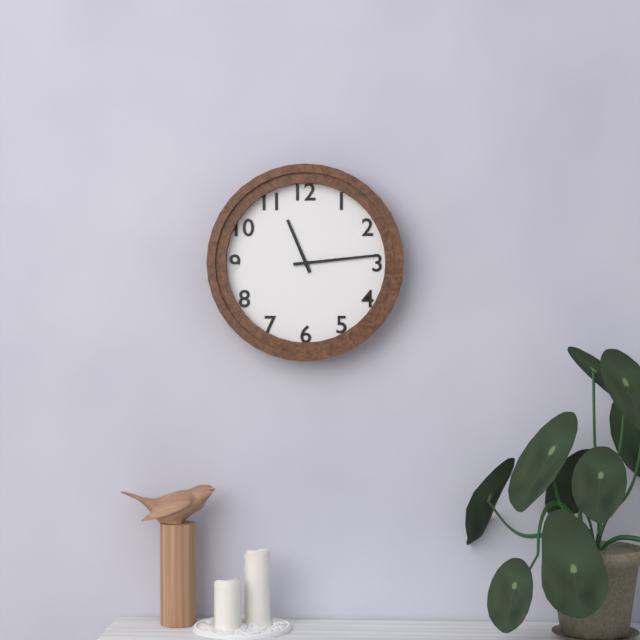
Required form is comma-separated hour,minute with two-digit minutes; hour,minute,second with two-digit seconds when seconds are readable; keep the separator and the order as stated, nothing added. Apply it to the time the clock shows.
11,14
